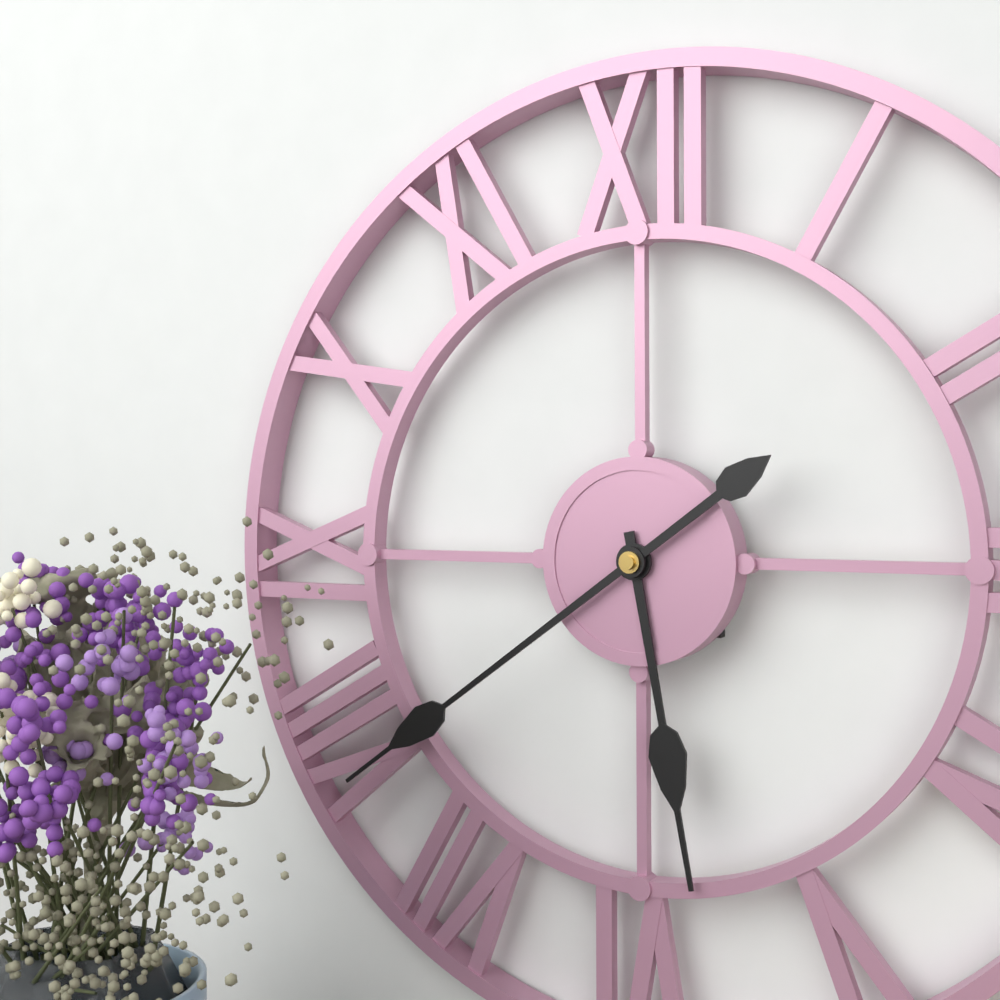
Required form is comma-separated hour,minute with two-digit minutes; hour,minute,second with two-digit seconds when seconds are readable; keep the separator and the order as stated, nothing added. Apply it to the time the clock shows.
5,39
